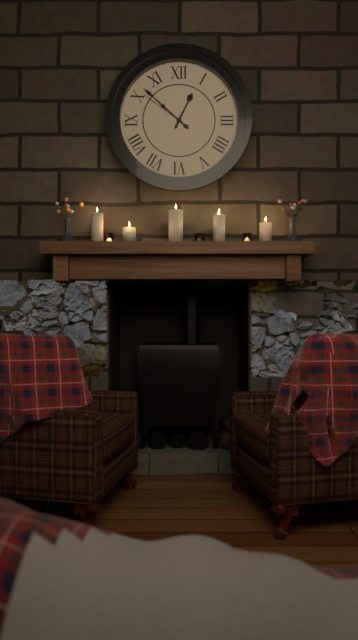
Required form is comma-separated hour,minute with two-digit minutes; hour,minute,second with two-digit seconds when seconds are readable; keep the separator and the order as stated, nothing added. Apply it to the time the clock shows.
12,52,51
